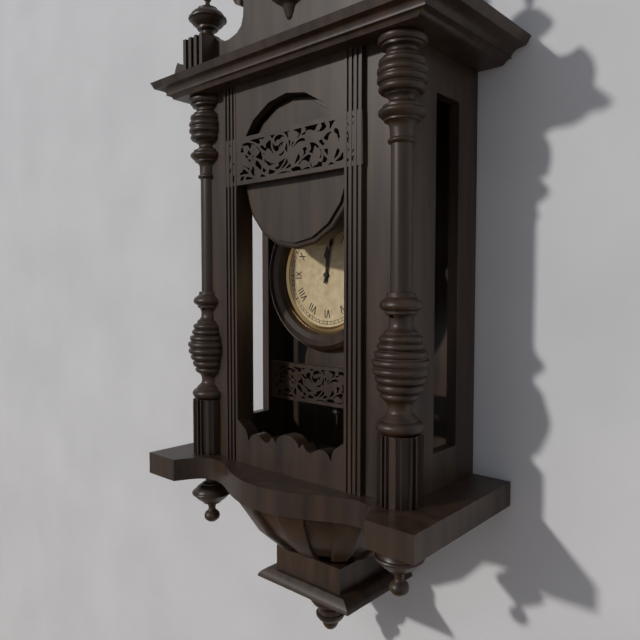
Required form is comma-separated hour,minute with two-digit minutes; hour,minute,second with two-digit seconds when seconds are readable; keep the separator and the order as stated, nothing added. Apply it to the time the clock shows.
12,02
